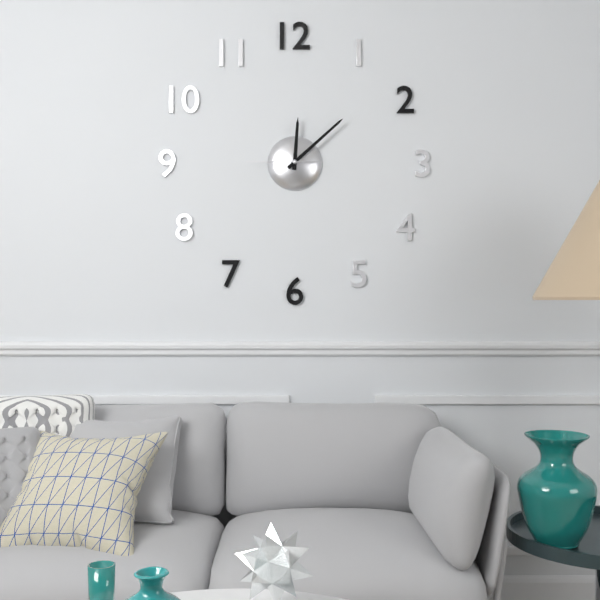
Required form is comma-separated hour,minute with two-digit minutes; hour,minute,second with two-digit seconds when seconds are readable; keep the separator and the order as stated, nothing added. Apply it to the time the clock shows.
12,08,45
